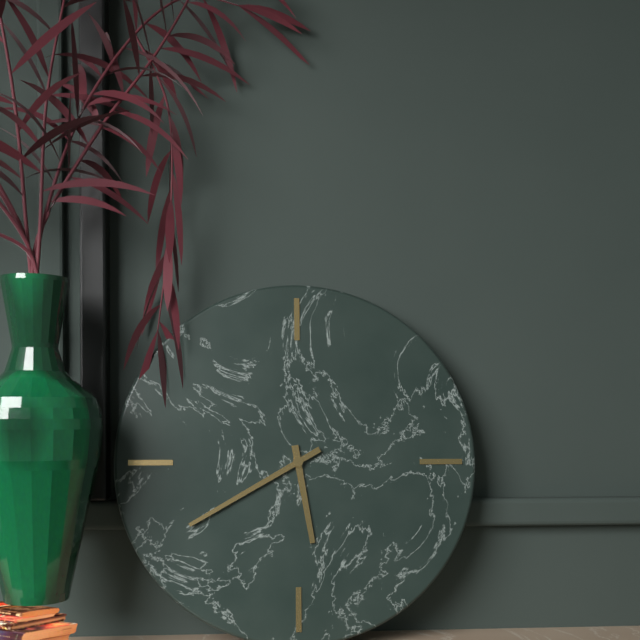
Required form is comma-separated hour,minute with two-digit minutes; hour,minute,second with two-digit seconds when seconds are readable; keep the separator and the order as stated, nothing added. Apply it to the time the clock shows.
5,40
